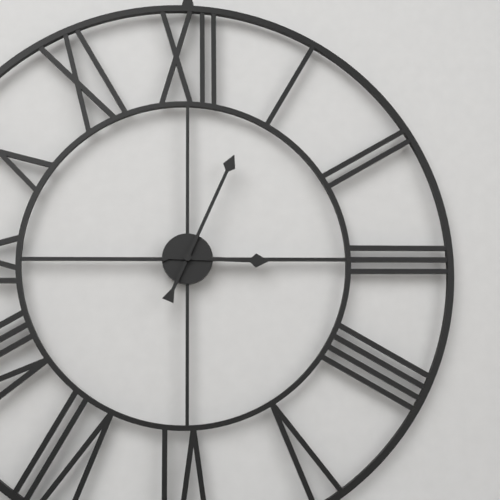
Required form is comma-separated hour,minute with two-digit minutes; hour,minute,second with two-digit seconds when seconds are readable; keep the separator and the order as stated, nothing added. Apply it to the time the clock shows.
3,04
